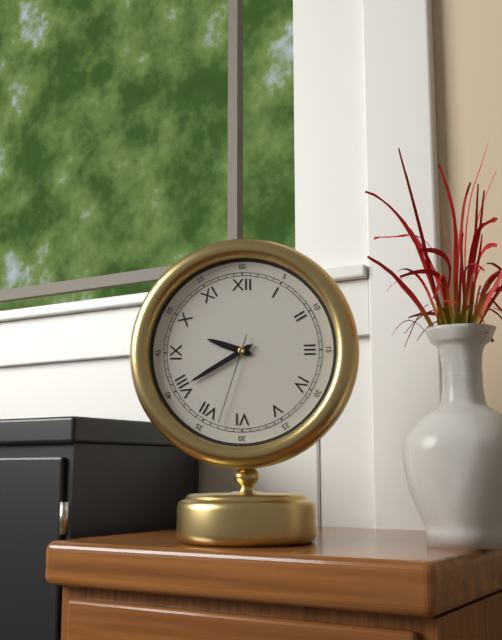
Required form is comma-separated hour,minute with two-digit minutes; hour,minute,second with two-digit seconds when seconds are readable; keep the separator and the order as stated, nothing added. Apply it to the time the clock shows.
9,40,33
